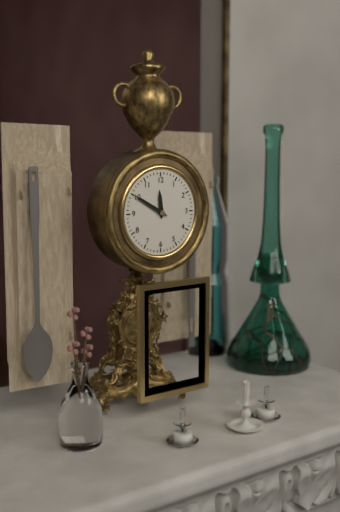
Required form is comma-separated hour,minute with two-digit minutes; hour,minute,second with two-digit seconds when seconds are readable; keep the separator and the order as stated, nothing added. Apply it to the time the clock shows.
11,50
